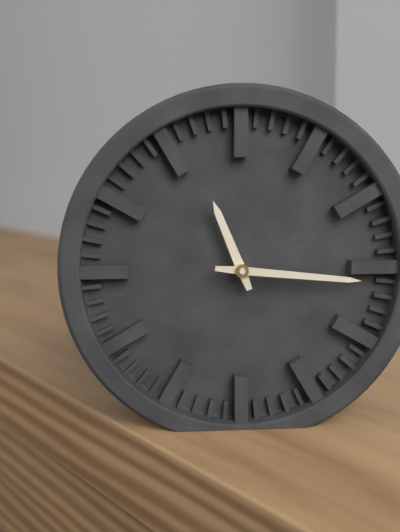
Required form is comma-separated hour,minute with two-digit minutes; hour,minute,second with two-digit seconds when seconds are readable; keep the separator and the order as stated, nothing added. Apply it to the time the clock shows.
11,16
